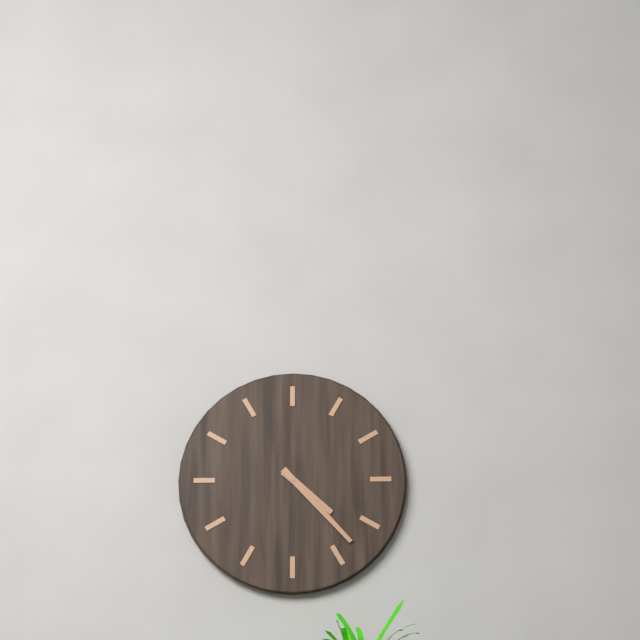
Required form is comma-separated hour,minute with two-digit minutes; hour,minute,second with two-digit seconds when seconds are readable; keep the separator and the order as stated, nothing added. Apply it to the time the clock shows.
4,23
